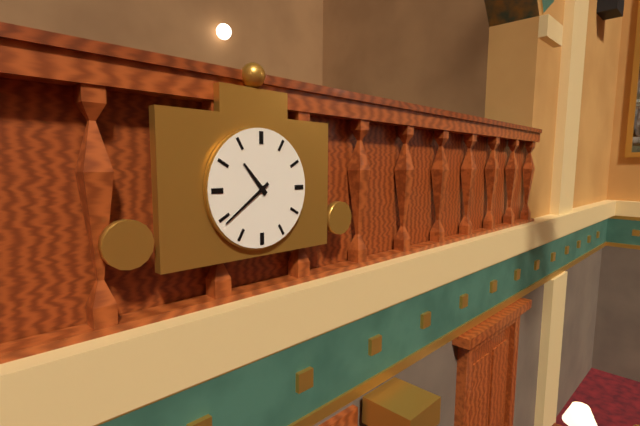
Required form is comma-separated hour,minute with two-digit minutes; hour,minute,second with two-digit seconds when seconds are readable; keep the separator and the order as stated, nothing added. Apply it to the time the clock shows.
10,39
